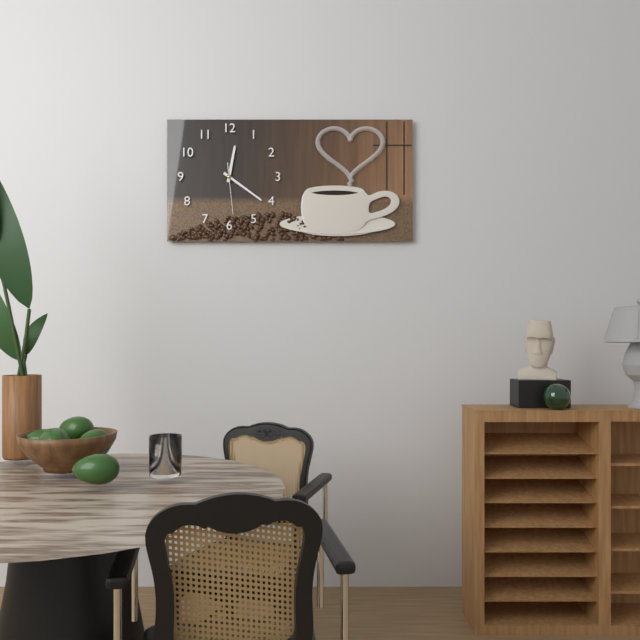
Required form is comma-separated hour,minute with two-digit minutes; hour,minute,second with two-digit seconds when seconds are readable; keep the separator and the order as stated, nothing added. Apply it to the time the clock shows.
12,21
